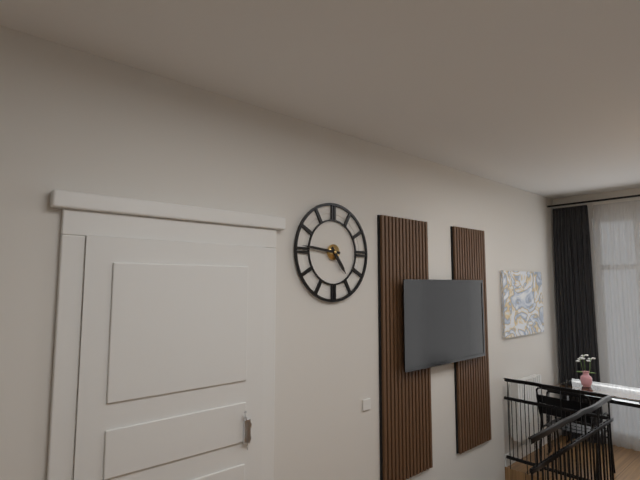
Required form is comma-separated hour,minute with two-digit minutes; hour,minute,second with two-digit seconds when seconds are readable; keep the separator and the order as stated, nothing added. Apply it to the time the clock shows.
4,46
